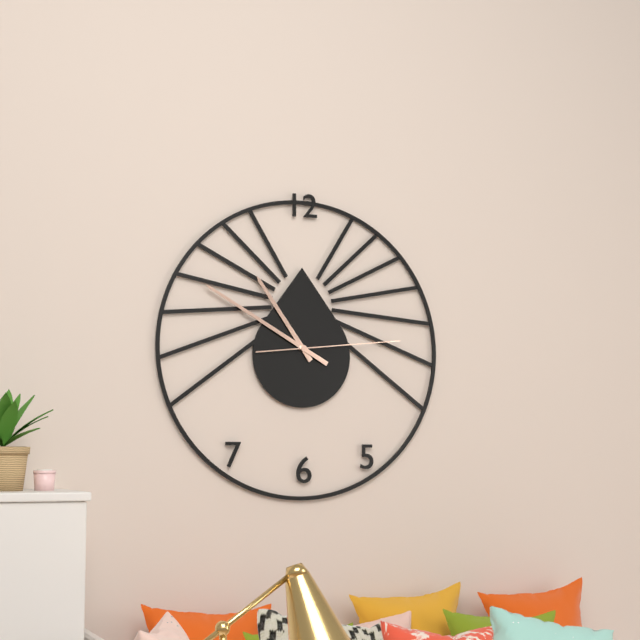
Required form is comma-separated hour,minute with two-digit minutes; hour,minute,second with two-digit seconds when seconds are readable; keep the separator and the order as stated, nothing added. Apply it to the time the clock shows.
10,50,14
